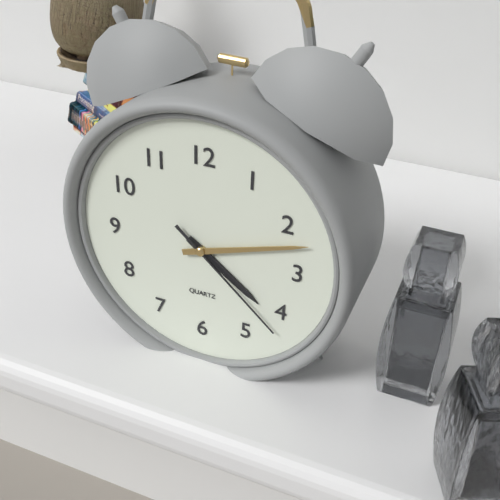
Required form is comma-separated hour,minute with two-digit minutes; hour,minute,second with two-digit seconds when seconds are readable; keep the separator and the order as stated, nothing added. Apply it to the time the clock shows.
4,12,22
